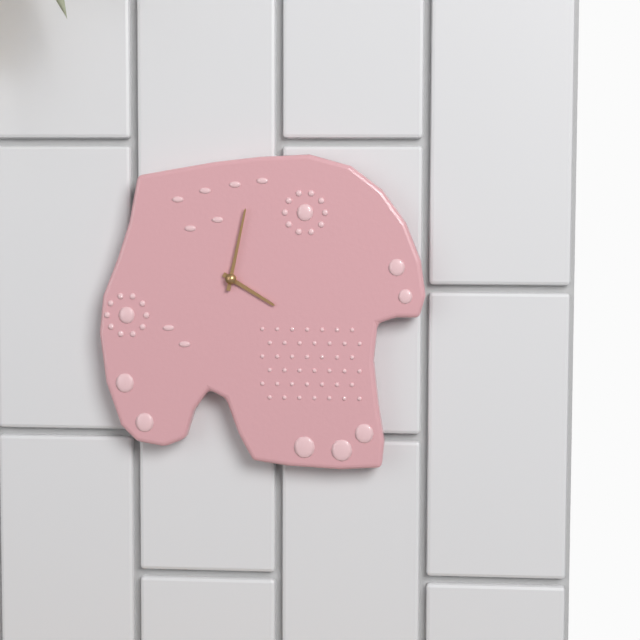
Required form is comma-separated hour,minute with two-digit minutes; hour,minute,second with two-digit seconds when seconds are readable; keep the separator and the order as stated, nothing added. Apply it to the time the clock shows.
4,02
